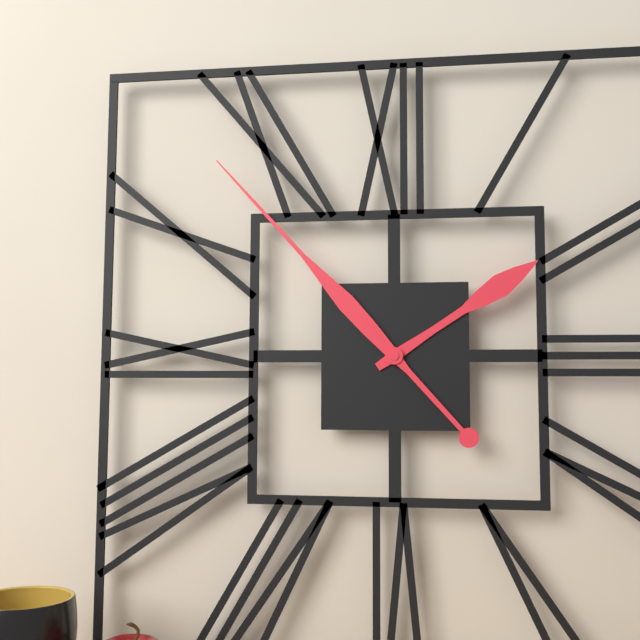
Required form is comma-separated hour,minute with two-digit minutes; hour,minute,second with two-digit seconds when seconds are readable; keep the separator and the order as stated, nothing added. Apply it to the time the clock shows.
1,53
